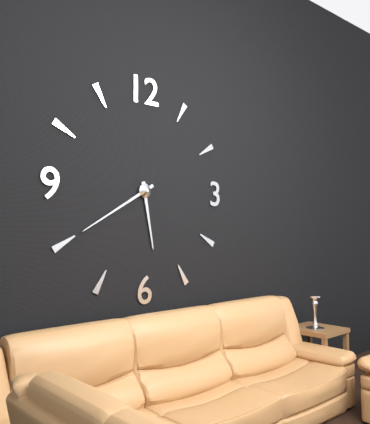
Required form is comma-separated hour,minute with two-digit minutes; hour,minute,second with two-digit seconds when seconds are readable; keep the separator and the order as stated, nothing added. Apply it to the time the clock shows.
5,40
